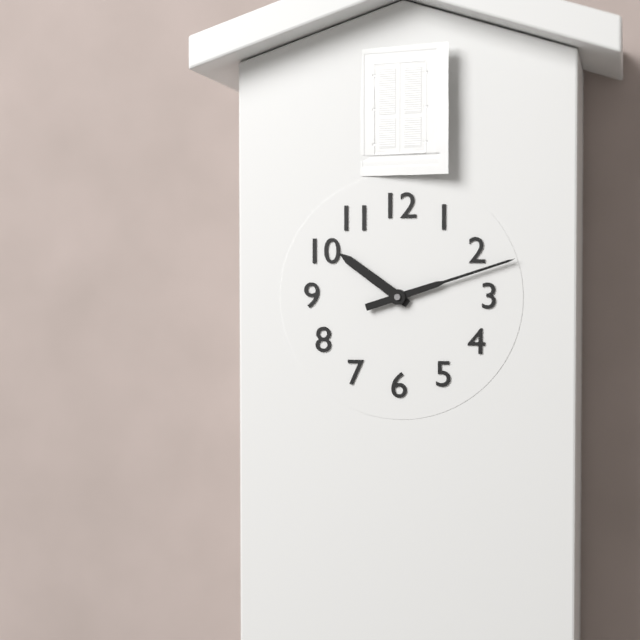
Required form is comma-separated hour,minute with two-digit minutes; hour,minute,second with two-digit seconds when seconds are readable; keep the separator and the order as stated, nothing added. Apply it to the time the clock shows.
10,12
